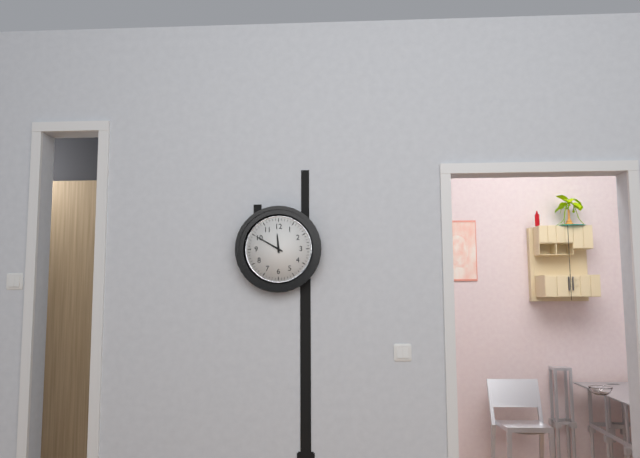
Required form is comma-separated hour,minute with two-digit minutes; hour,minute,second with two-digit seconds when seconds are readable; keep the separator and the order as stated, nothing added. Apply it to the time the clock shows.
11,50
